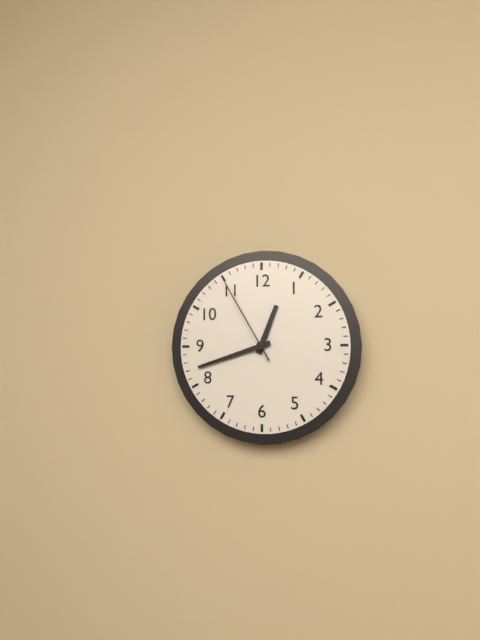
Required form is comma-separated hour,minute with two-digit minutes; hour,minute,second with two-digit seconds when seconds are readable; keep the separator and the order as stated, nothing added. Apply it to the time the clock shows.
12,42,55
